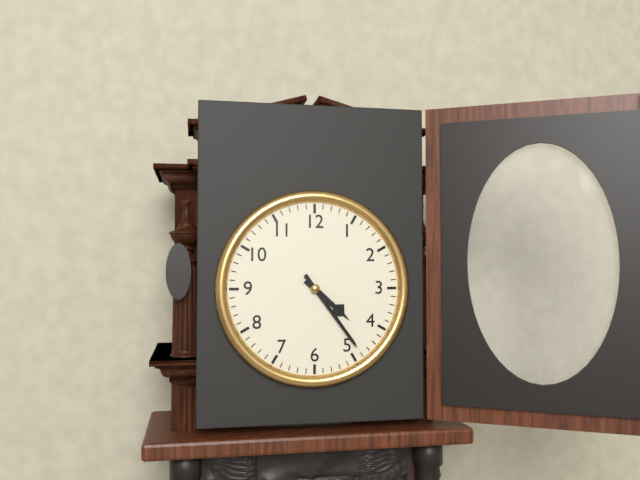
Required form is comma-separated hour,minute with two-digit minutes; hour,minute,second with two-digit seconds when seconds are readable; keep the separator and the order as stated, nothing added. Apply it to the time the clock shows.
4,24
